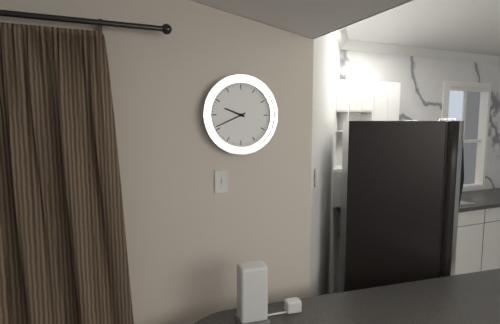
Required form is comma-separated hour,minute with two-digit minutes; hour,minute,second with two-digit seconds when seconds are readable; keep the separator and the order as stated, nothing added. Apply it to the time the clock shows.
9,41
